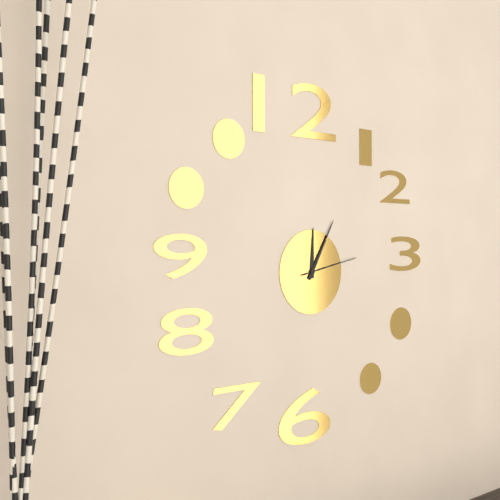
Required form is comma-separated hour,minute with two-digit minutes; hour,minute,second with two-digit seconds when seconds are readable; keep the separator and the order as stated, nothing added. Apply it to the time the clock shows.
12,05,13
